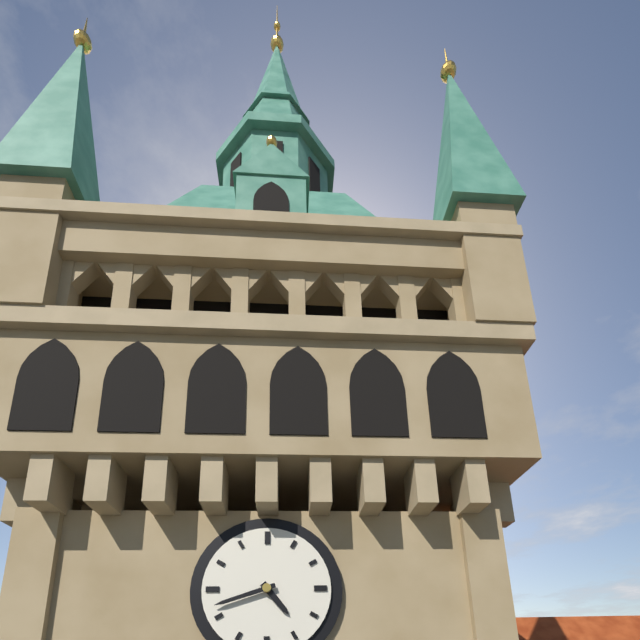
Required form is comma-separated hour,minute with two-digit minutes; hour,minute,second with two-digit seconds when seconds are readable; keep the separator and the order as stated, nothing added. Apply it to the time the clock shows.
4,42
